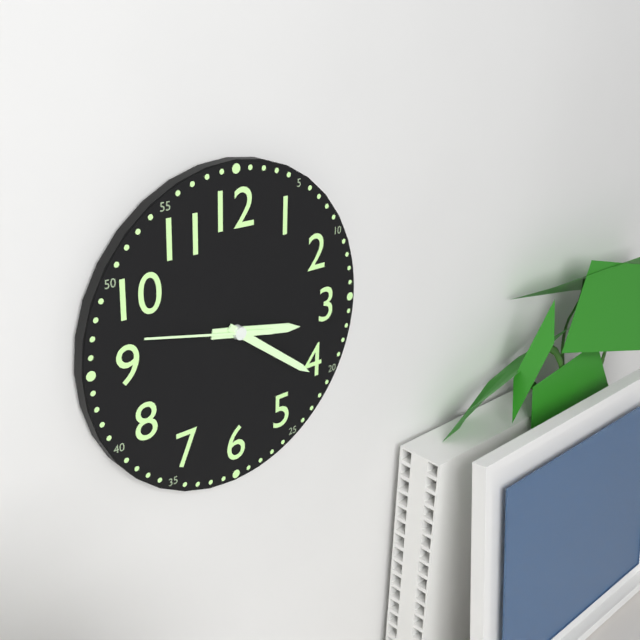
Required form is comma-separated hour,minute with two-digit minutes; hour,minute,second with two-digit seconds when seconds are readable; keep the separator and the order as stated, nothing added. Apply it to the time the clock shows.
3,21,47
